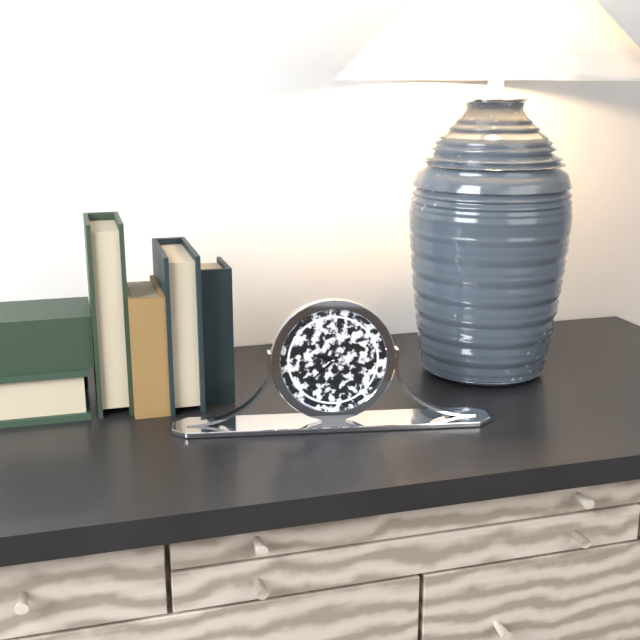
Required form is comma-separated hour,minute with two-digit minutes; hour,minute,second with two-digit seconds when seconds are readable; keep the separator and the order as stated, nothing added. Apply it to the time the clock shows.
9,38
